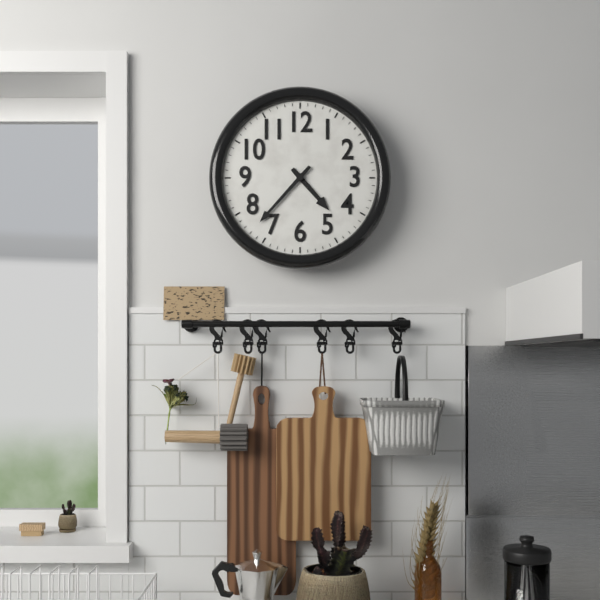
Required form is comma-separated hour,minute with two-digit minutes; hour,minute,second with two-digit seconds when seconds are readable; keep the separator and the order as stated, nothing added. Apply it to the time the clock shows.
4,37
